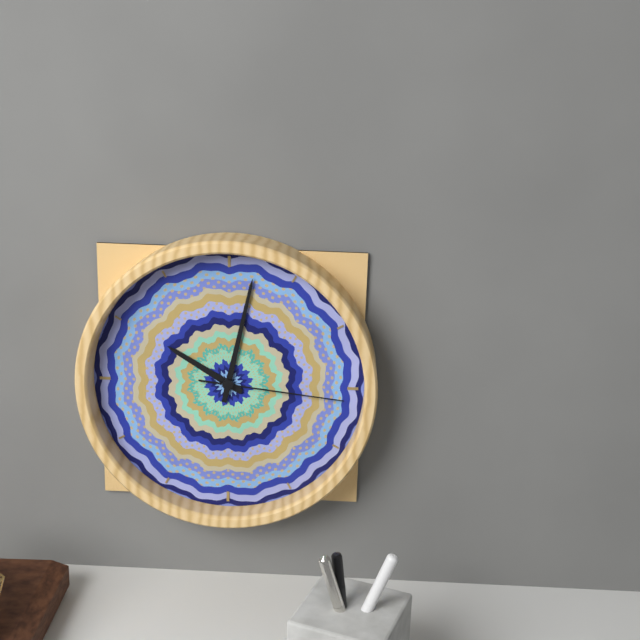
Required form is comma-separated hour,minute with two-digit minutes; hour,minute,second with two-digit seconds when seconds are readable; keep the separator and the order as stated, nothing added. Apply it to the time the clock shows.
10,02,16
